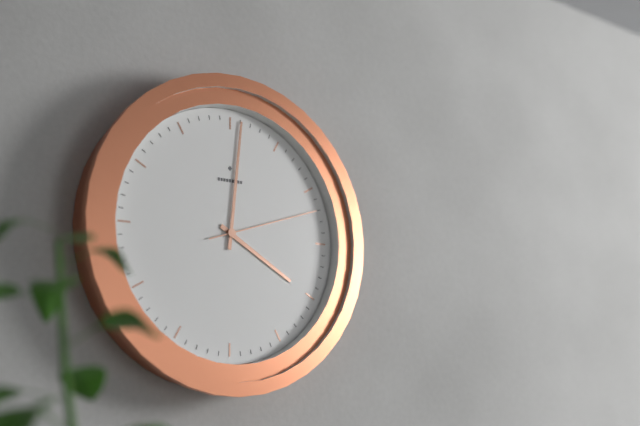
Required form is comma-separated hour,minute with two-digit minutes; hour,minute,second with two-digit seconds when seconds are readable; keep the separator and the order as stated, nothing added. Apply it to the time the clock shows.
4,01,12
